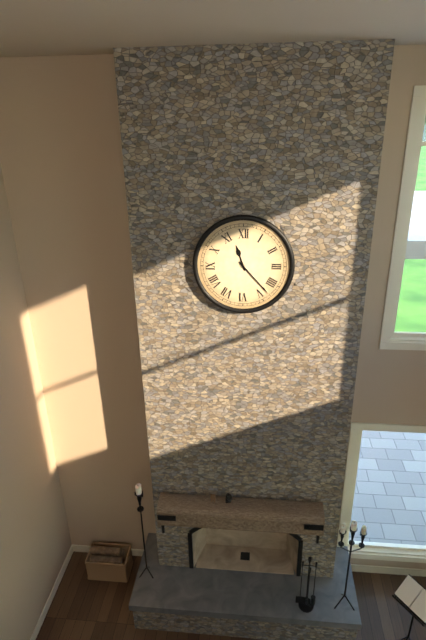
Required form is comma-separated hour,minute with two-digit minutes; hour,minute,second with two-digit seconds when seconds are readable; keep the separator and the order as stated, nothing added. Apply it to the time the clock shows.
11,23
